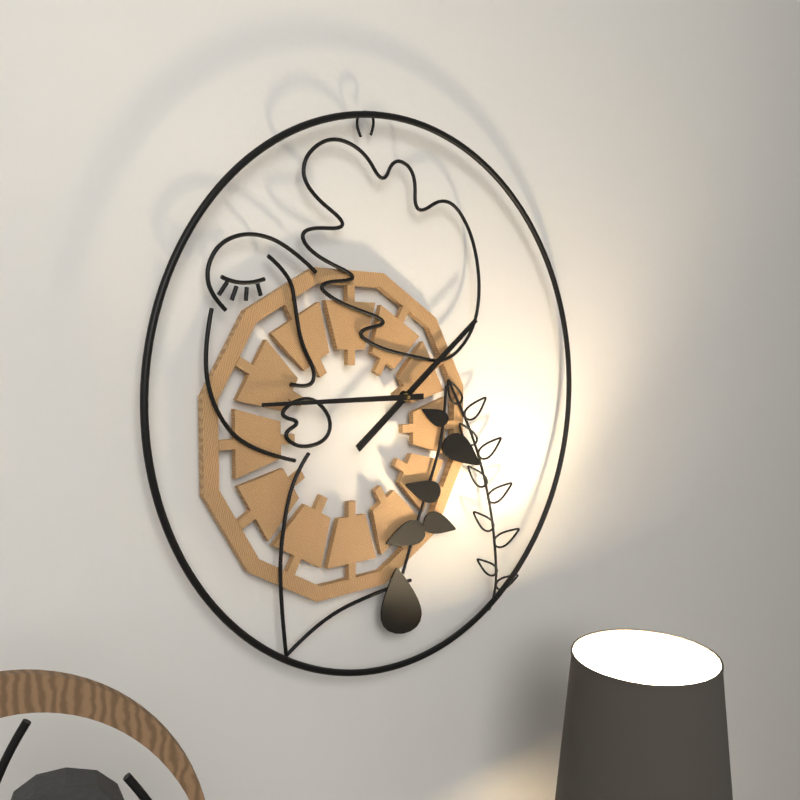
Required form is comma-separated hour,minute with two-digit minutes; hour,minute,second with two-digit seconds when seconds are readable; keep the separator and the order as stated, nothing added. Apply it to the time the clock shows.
1,45
